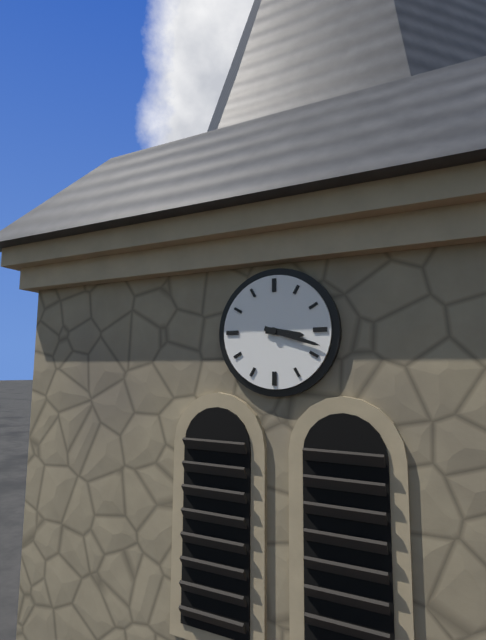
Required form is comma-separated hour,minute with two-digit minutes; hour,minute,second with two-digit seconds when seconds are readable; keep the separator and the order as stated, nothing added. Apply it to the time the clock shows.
3,18
